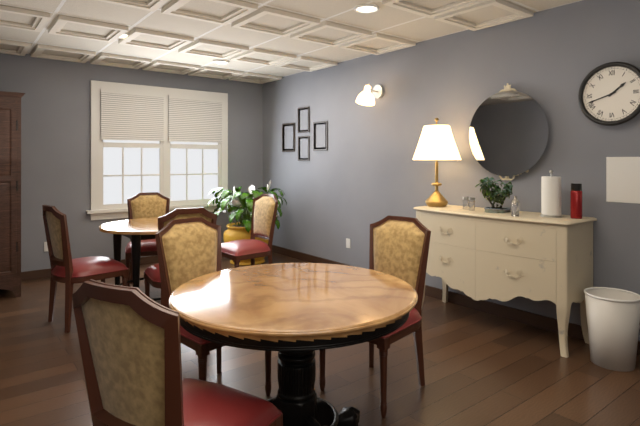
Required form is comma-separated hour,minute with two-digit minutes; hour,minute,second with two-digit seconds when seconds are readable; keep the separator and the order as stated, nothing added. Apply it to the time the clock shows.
1,42
